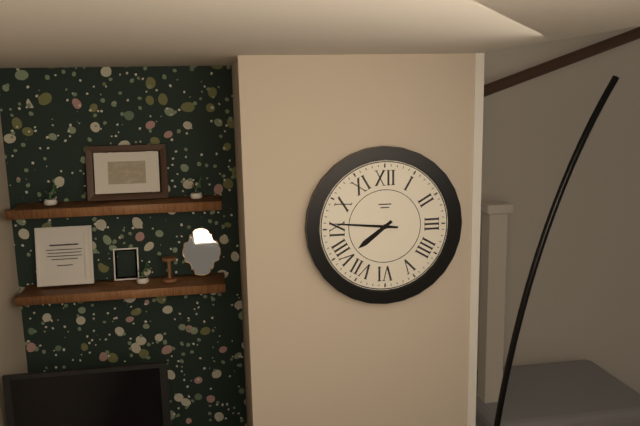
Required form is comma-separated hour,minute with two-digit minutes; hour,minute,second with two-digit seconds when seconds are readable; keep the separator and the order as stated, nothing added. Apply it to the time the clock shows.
7,46
